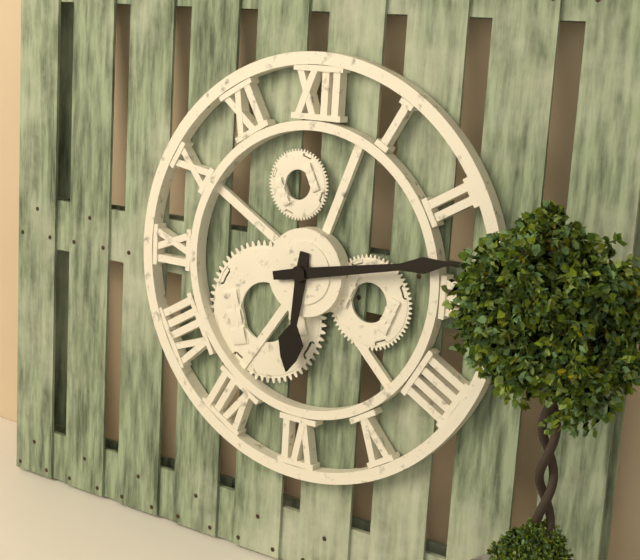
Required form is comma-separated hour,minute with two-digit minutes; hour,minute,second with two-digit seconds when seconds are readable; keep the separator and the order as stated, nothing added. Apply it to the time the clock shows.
6,13
